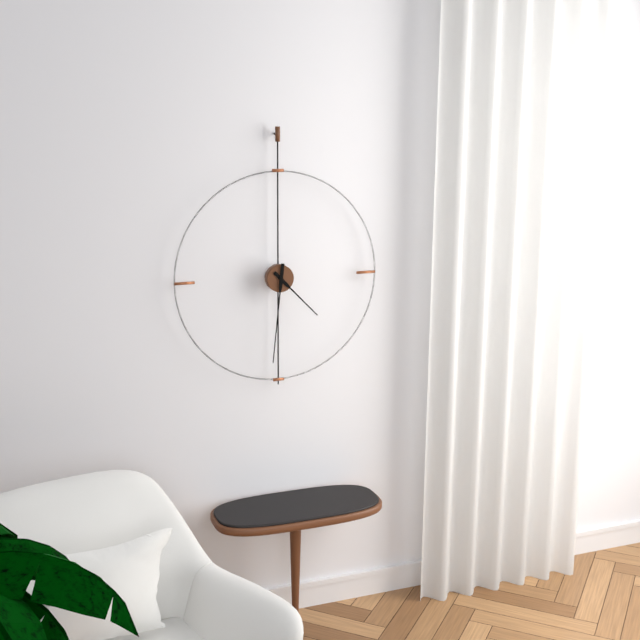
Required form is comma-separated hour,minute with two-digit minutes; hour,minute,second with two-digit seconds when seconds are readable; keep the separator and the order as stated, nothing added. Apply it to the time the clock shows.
4,31
